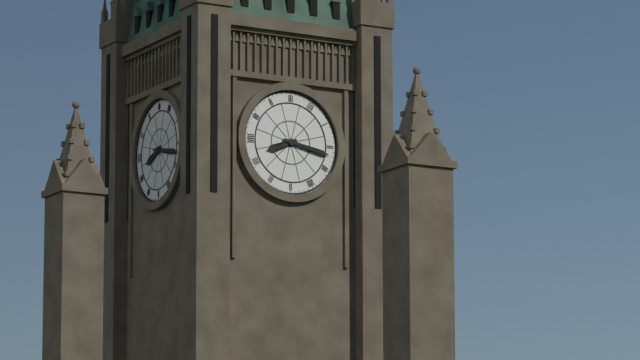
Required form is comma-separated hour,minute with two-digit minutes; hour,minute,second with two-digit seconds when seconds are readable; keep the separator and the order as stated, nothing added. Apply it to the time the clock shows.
8,17
